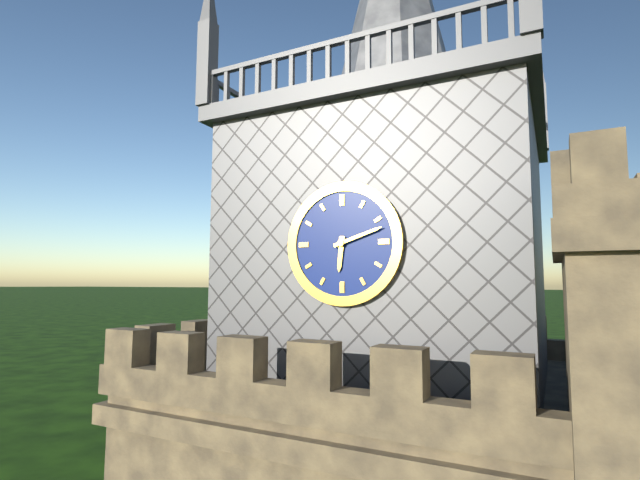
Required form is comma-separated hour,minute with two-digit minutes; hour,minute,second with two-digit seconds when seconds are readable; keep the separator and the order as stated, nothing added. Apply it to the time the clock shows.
6,12
